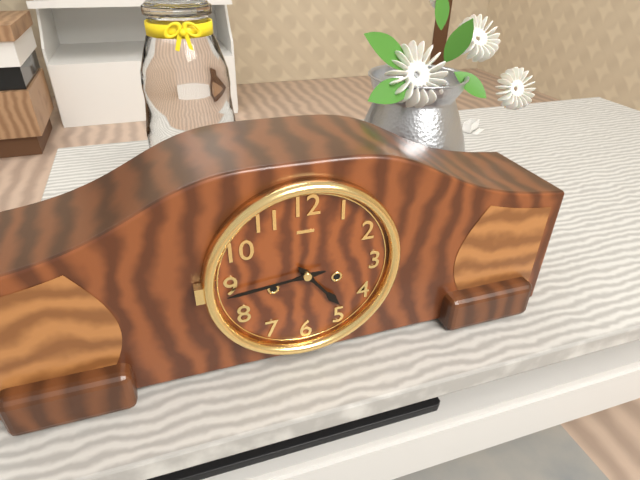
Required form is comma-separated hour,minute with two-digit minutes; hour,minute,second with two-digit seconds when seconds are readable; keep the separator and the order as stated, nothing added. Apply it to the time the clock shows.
4,44
